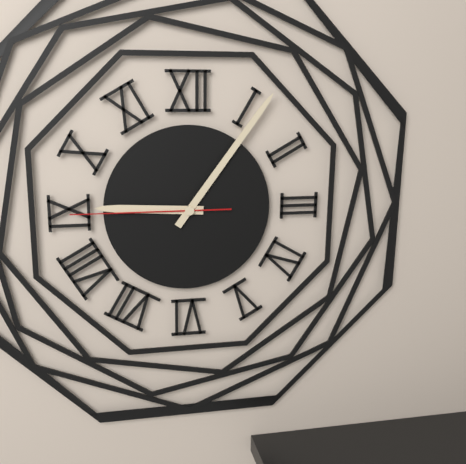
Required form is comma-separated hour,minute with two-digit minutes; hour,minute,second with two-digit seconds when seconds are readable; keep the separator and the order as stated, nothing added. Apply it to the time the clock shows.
9,06,45
